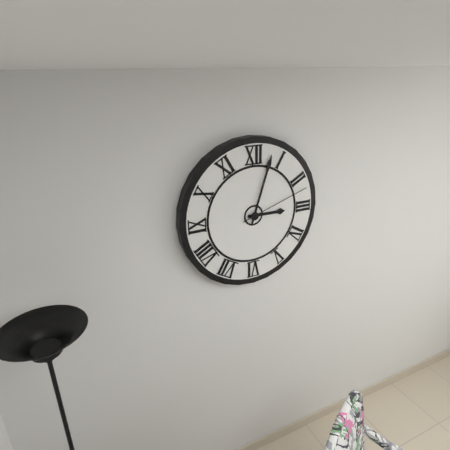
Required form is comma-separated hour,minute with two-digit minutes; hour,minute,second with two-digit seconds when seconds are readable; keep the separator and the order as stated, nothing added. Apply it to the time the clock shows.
3,03,12
